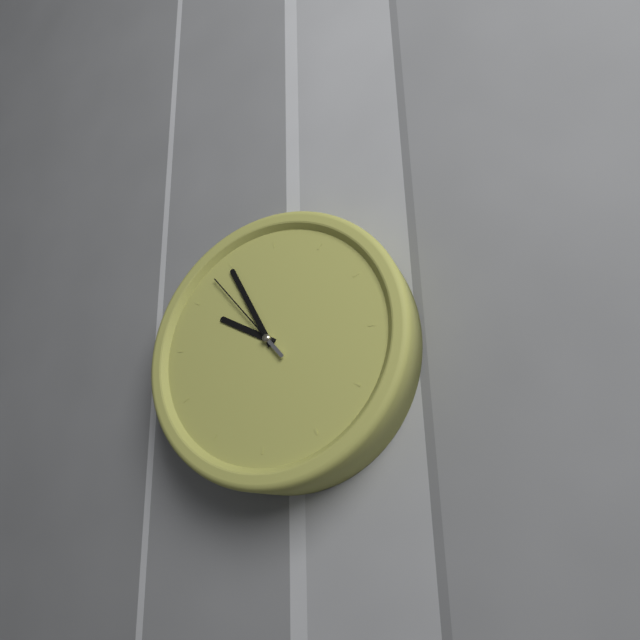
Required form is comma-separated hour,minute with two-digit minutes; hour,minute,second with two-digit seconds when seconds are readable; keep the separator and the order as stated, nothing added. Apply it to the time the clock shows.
9,55,53
